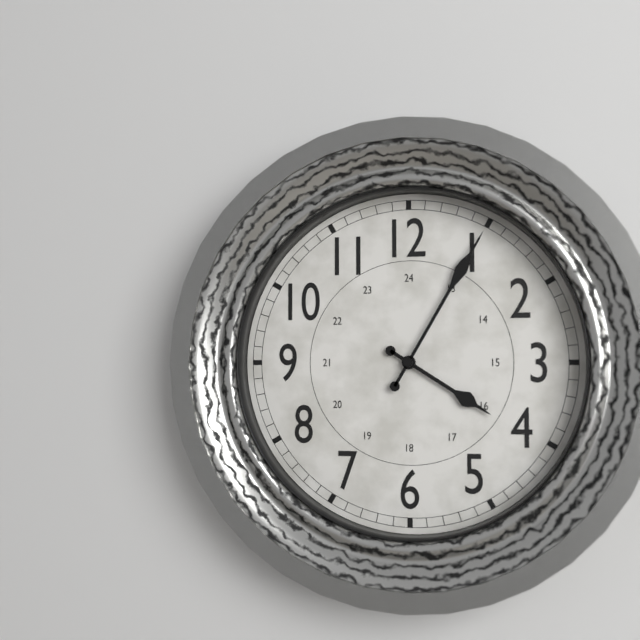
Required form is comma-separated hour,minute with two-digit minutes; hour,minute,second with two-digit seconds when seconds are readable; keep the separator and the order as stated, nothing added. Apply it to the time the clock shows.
4,05
